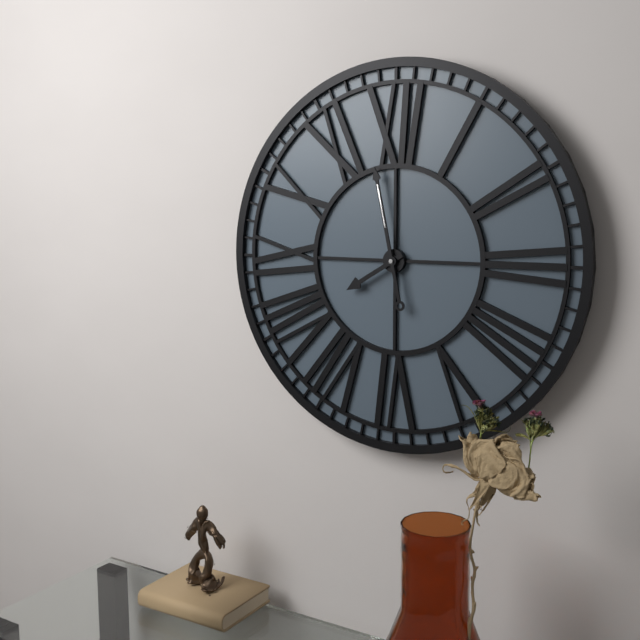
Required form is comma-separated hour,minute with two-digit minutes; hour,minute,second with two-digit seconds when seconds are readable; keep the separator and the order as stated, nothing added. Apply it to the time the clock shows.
7,58
